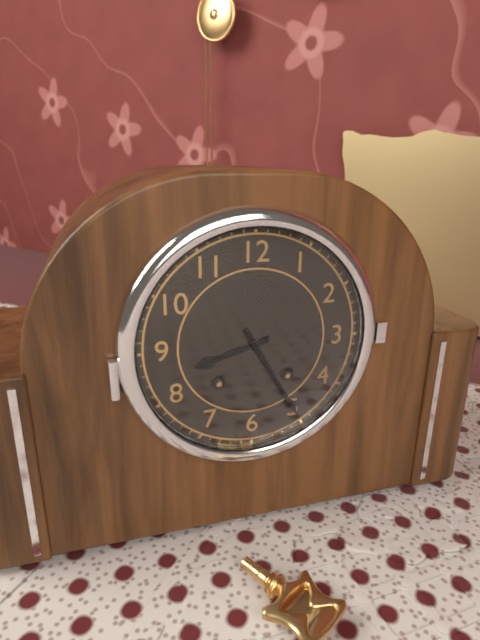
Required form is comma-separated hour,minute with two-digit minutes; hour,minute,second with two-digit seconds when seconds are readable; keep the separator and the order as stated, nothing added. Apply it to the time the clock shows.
8,25
